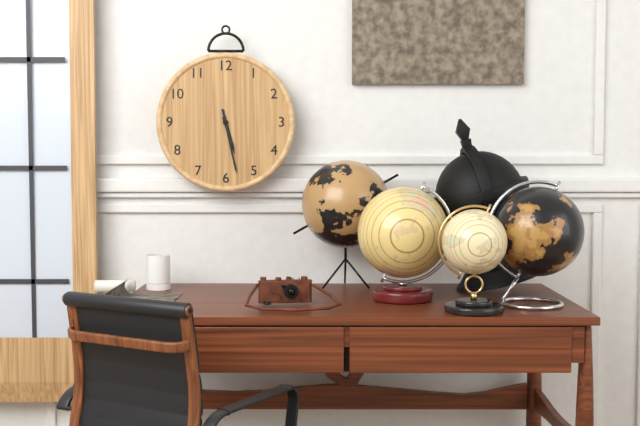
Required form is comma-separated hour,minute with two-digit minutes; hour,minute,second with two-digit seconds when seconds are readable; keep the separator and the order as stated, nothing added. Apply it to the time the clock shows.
5,28
